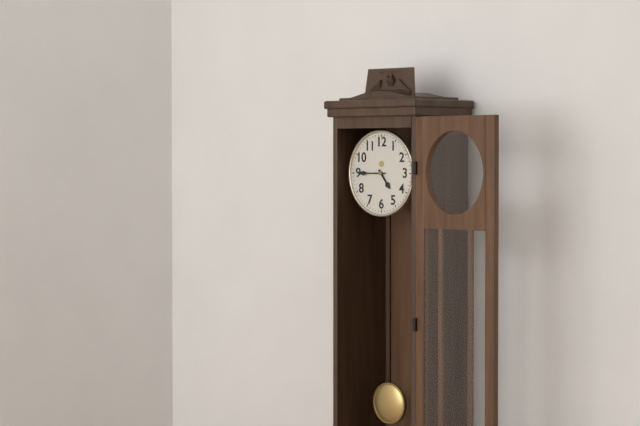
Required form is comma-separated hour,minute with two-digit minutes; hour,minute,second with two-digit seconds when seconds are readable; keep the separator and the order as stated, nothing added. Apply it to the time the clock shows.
4,45
